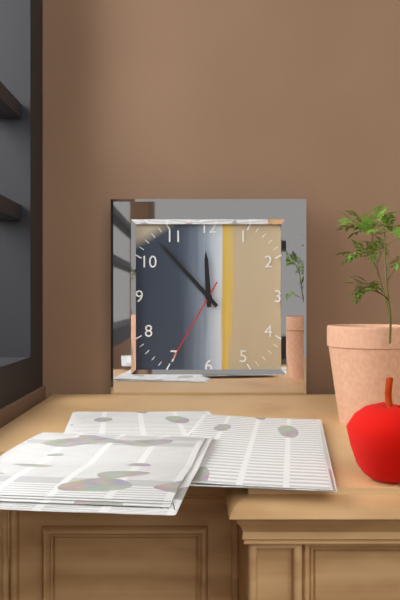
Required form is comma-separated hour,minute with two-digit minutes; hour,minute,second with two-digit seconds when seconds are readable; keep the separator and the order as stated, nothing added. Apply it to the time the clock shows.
11,53,35
